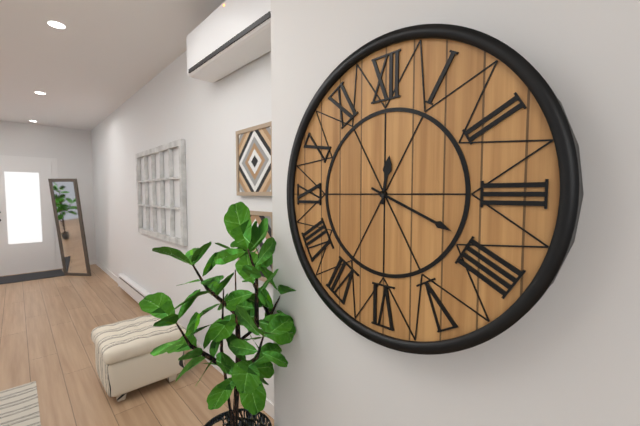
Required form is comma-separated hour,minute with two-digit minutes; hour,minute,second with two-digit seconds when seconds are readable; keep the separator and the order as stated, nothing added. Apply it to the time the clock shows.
12,19
